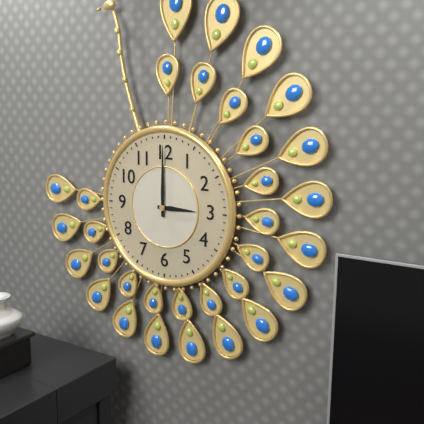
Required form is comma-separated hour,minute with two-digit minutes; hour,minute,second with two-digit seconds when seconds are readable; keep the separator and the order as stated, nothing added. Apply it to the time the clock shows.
3,00
